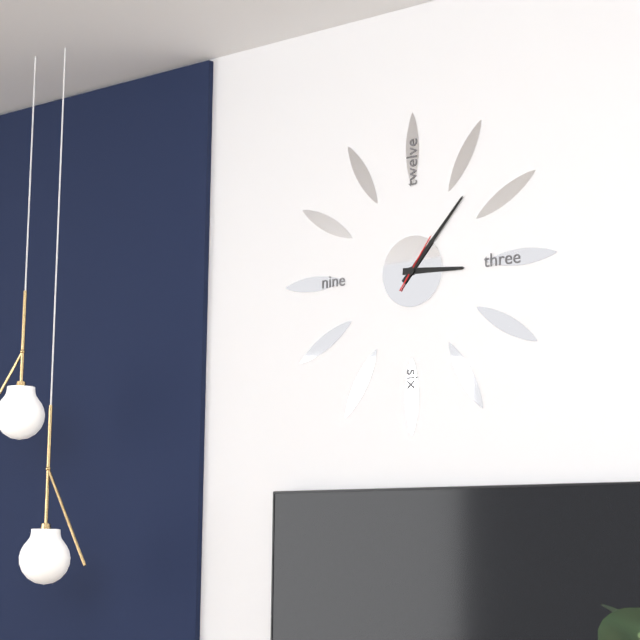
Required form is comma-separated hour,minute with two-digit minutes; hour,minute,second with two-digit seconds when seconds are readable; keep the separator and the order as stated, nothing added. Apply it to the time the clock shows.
3,07,06
